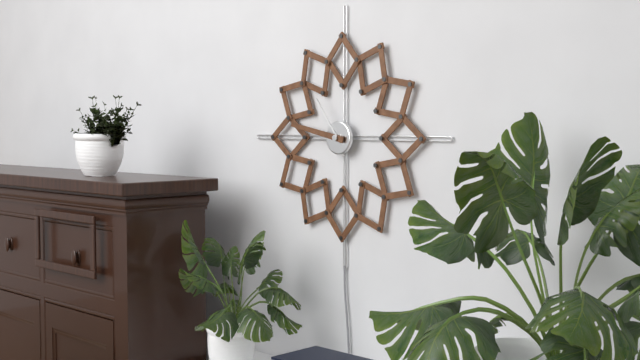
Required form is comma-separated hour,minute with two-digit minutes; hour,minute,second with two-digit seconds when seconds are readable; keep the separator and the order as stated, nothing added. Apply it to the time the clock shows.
10,47
